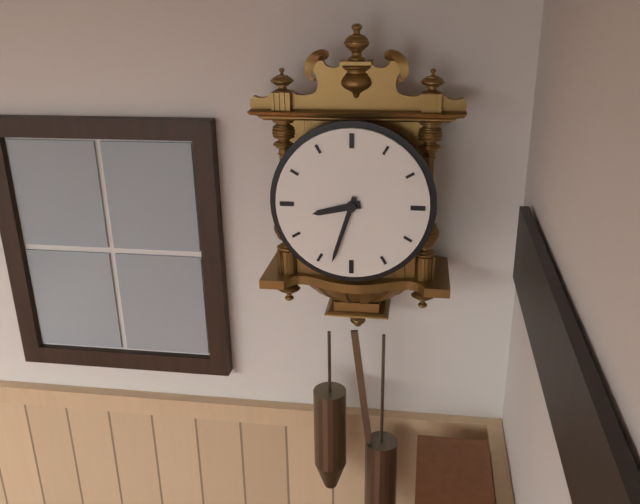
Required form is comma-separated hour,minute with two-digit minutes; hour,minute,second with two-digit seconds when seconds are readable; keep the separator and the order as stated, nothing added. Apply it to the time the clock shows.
8,33
